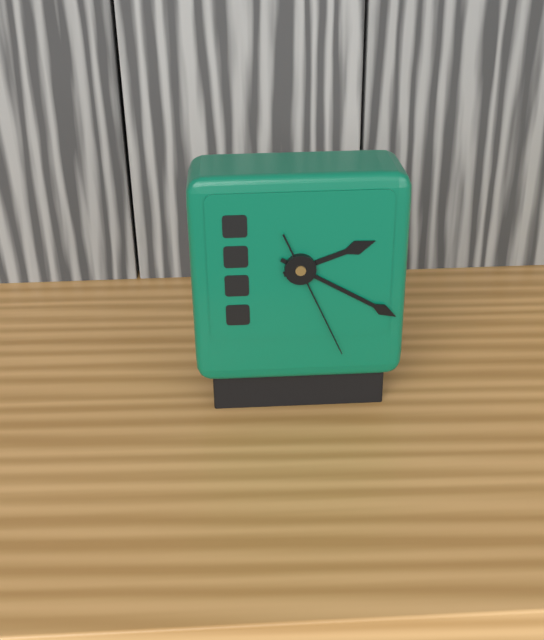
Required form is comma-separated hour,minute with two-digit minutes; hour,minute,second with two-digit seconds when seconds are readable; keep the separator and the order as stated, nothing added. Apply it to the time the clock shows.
2,20,26
